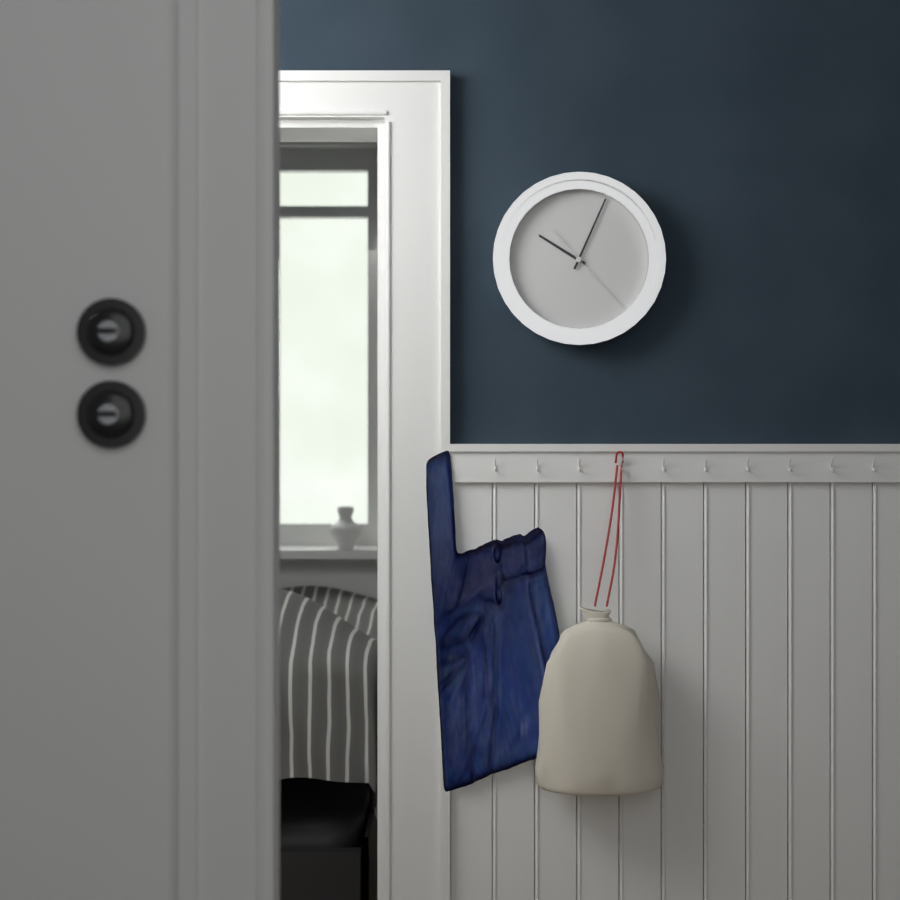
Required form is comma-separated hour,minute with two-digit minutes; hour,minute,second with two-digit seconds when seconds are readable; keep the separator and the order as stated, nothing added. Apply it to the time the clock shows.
10,04,23
